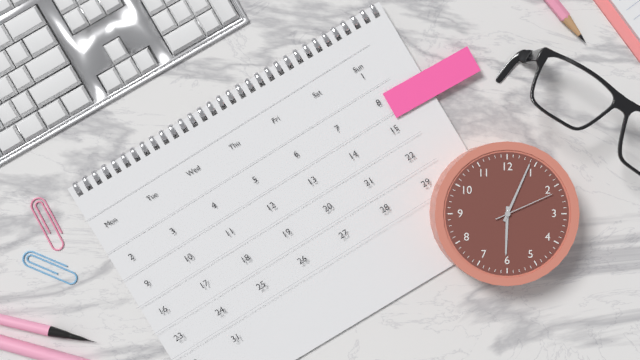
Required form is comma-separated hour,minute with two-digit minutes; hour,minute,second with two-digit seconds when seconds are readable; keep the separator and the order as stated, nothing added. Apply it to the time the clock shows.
6,04,11
